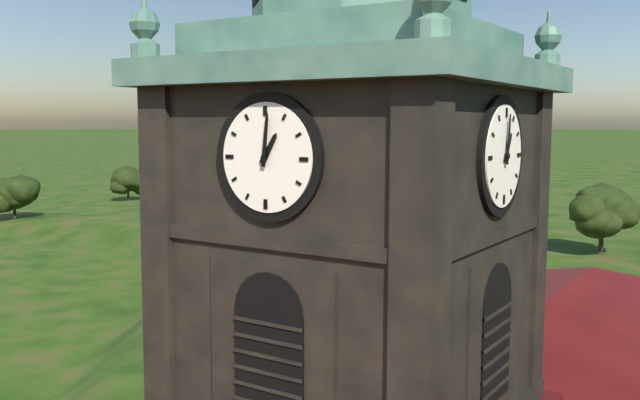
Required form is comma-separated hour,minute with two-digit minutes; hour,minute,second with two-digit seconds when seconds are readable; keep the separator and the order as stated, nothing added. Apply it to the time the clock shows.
1,01
